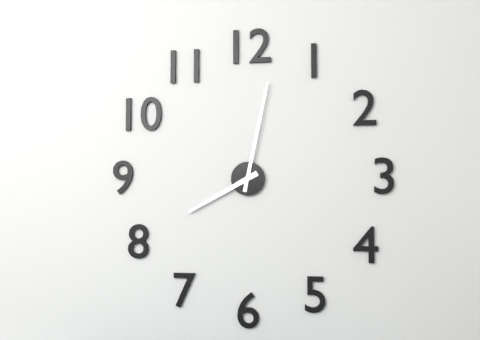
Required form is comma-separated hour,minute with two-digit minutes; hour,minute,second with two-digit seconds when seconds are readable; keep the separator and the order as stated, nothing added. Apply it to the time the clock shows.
8,02
